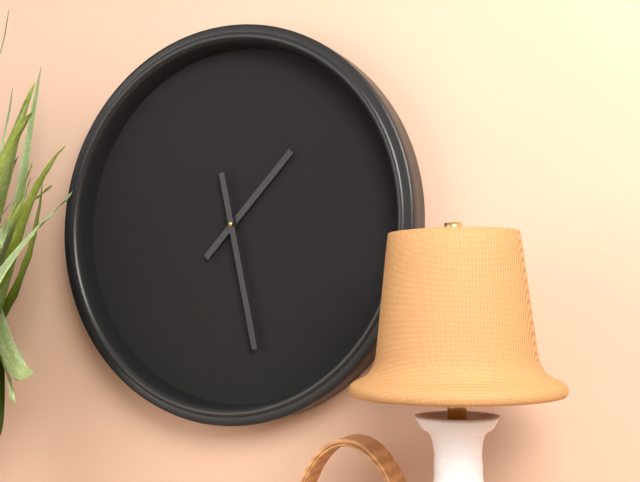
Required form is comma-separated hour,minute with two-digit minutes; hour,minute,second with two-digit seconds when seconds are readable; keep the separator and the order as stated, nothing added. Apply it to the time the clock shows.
1,28
